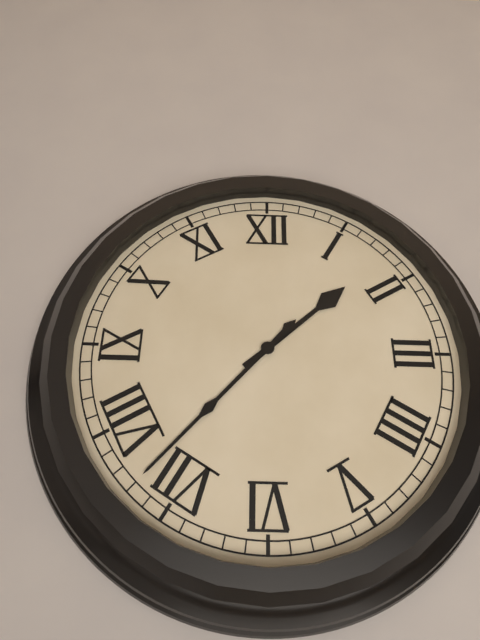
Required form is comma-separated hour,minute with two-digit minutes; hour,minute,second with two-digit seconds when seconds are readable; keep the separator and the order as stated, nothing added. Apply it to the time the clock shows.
1,37
